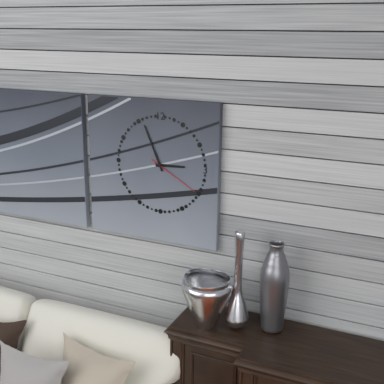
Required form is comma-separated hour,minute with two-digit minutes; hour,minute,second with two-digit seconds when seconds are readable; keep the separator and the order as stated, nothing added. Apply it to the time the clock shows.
2,56,20
